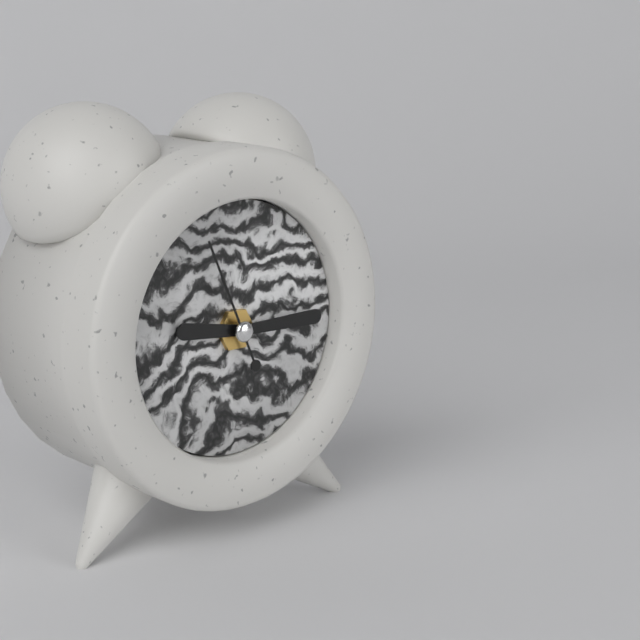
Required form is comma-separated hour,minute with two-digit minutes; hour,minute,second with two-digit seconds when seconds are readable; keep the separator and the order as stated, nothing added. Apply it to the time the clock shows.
9,15,56
